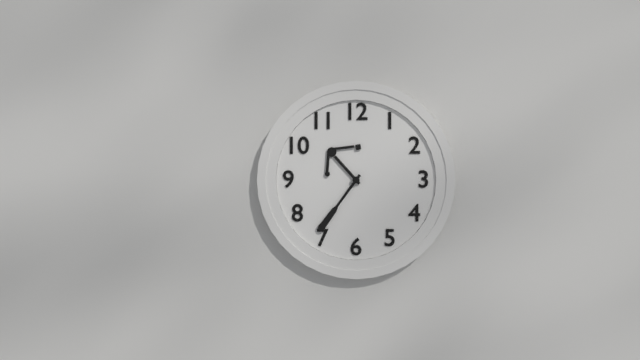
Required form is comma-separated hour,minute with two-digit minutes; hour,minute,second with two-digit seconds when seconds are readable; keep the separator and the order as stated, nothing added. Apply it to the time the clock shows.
10,36
